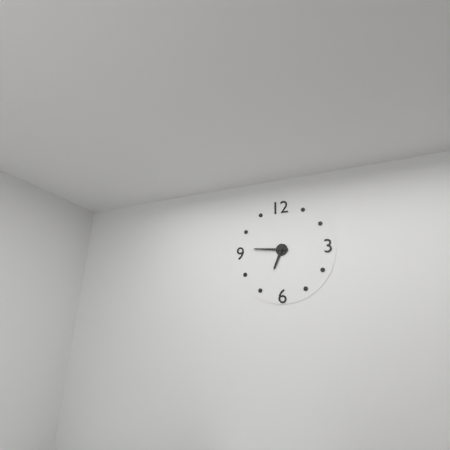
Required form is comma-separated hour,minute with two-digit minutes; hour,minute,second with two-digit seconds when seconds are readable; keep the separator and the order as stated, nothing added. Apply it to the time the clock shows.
6,46
